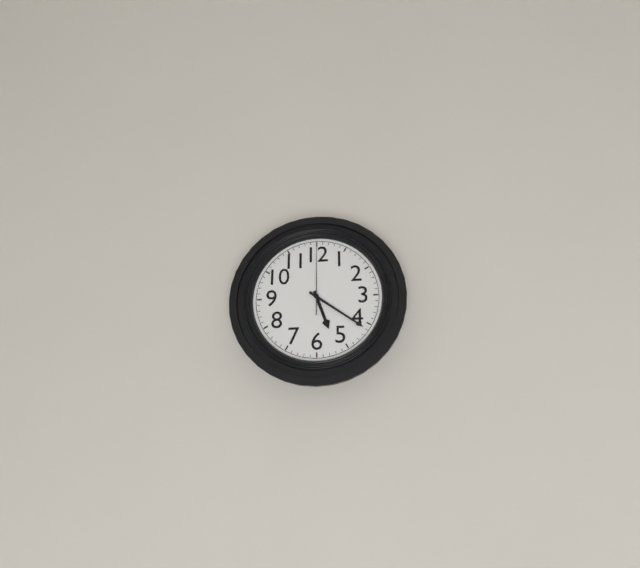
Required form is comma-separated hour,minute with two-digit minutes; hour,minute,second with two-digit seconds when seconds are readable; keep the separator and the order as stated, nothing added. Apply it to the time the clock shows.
5,21,00
